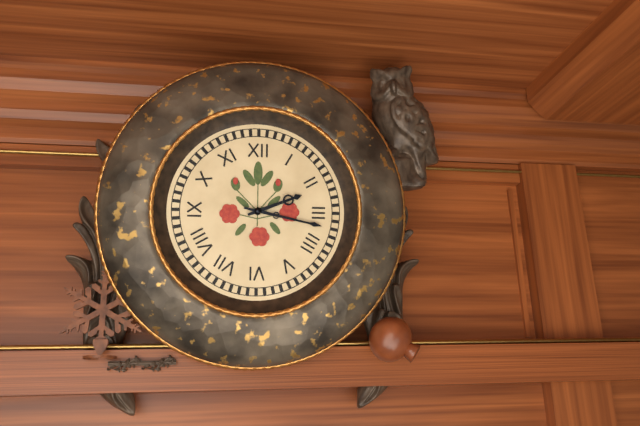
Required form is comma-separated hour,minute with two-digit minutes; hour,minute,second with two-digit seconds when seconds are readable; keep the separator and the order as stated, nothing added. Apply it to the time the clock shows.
2,17
